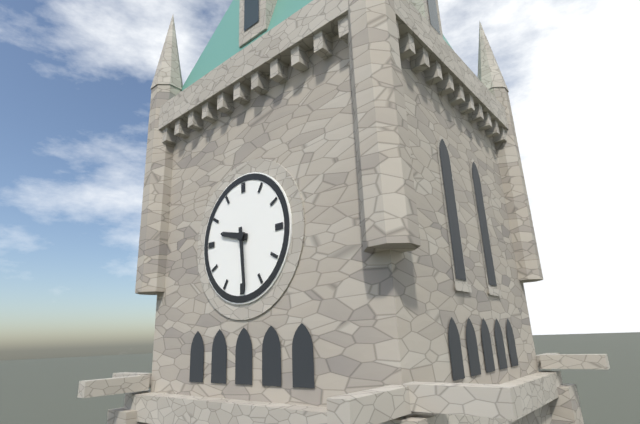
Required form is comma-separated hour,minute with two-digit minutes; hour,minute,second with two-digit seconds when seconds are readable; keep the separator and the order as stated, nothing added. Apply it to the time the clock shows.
9,29
